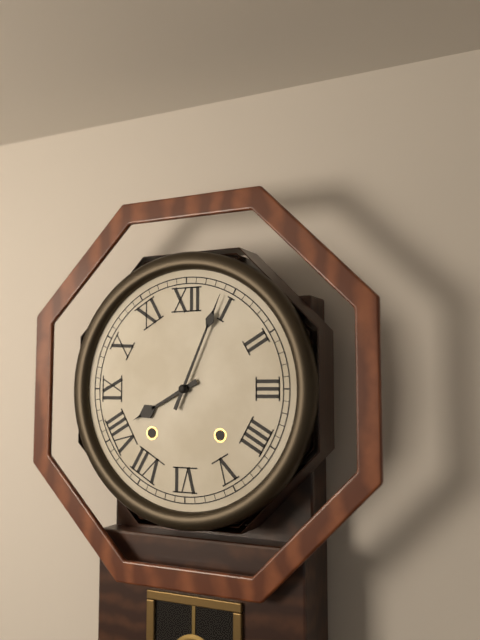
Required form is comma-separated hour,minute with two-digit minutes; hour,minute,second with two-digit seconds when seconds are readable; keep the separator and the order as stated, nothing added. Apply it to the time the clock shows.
8,04
